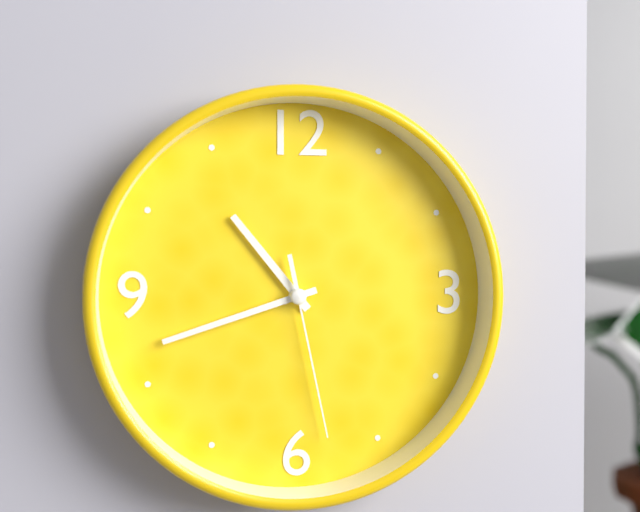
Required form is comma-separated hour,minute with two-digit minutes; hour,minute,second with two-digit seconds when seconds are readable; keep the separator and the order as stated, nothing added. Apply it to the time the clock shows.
10,42,28
